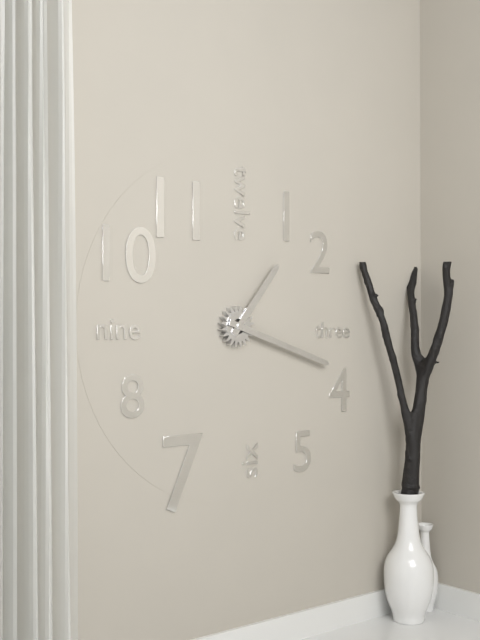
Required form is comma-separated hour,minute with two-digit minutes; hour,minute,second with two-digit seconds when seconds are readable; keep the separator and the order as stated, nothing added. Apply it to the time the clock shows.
1,18
